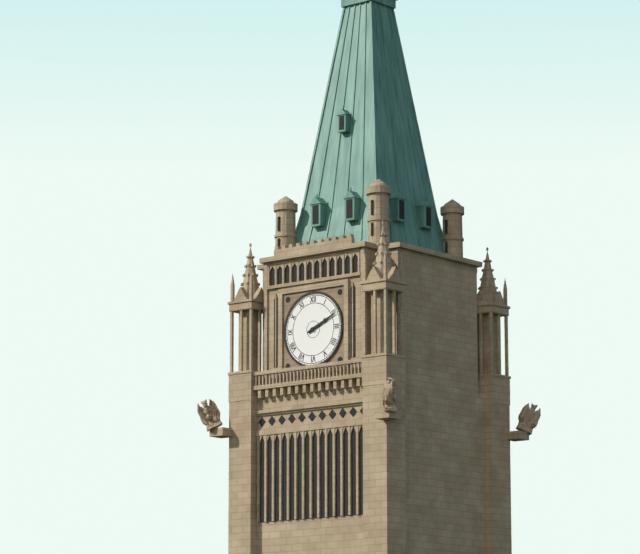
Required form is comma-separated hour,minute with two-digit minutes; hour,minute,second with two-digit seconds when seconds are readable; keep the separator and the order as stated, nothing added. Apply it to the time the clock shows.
2,11
